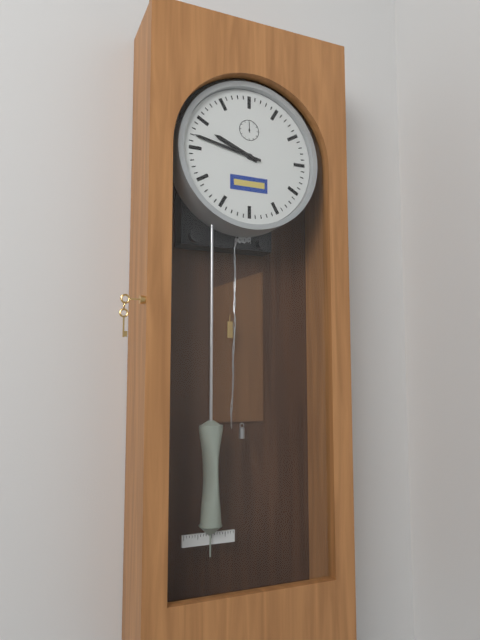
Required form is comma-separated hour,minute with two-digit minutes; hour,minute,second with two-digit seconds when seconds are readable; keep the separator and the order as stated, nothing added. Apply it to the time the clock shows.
9,47
